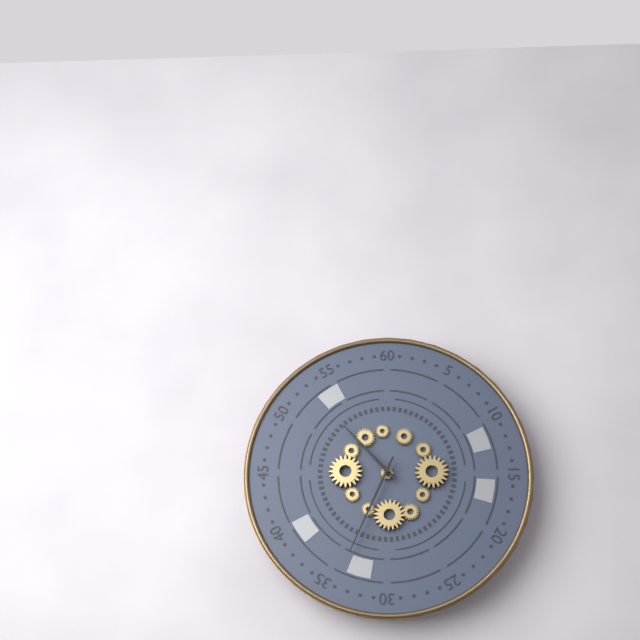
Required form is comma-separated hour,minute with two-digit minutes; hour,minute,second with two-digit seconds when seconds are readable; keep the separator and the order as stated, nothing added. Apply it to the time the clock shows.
10,34
